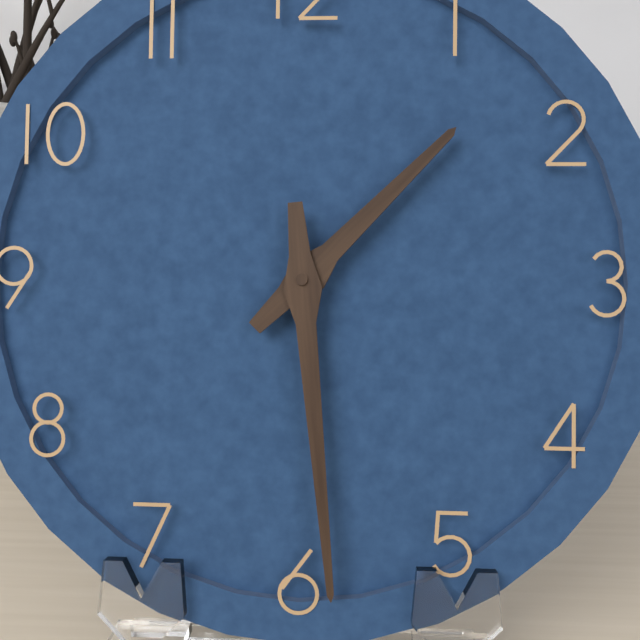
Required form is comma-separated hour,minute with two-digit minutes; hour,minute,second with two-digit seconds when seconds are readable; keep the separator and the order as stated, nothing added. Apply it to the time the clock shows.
1,29
